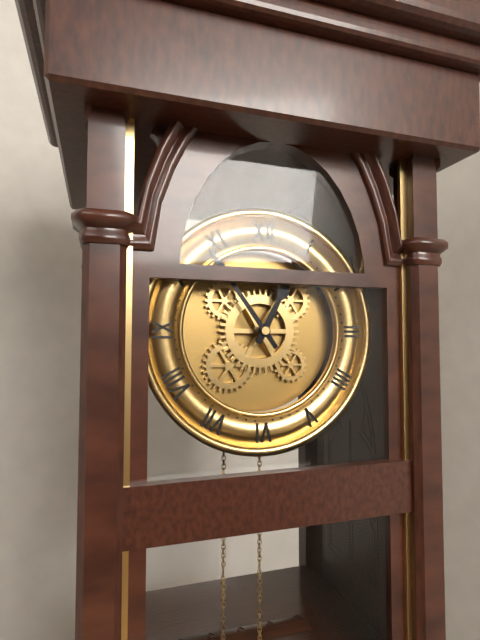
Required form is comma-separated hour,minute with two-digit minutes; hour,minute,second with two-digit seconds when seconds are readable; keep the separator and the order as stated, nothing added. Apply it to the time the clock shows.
12,54
